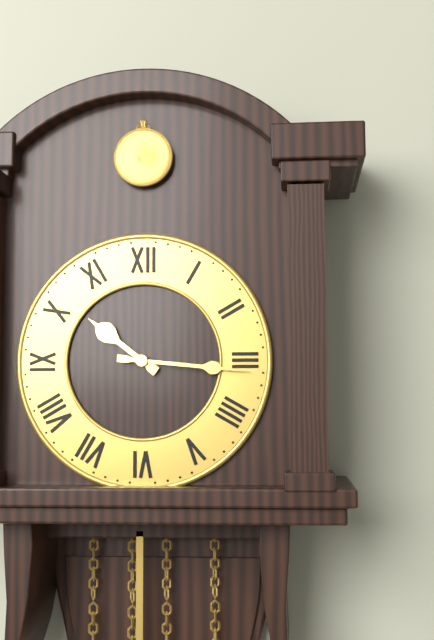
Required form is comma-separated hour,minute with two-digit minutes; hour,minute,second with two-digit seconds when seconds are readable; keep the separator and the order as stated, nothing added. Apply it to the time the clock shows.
10,16
